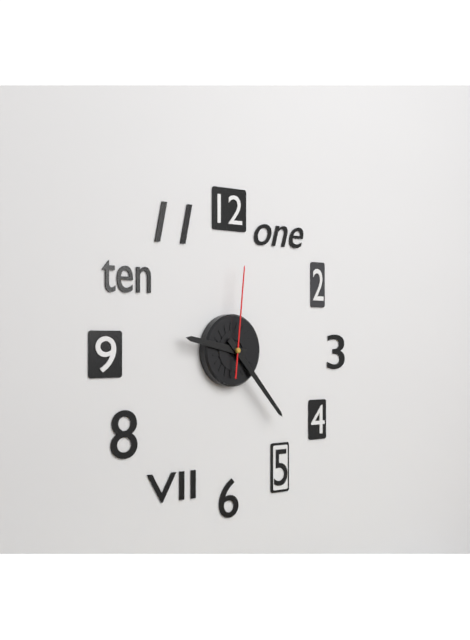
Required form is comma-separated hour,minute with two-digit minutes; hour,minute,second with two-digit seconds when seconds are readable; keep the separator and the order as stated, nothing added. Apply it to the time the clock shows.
9,23,01
